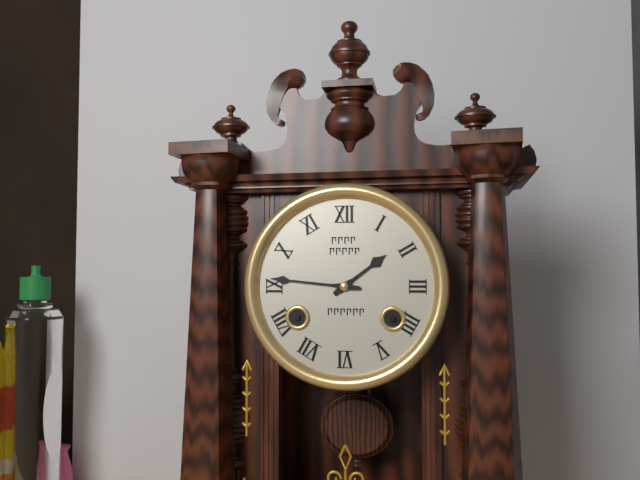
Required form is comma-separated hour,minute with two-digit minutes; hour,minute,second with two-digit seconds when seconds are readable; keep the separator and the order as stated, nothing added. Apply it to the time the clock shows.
1,46
